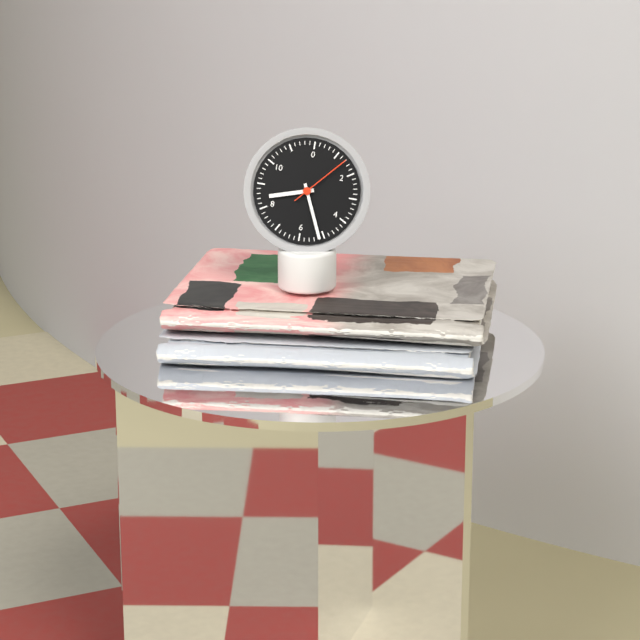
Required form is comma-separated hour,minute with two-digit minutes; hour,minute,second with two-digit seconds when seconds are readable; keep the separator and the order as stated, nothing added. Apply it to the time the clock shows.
8,26,07
